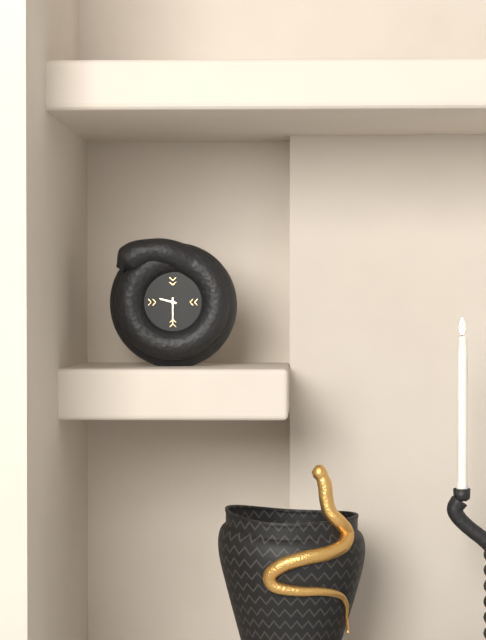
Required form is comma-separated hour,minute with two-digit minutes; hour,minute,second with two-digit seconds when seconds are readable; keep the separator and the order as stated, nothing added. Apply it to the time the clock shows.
9,30
